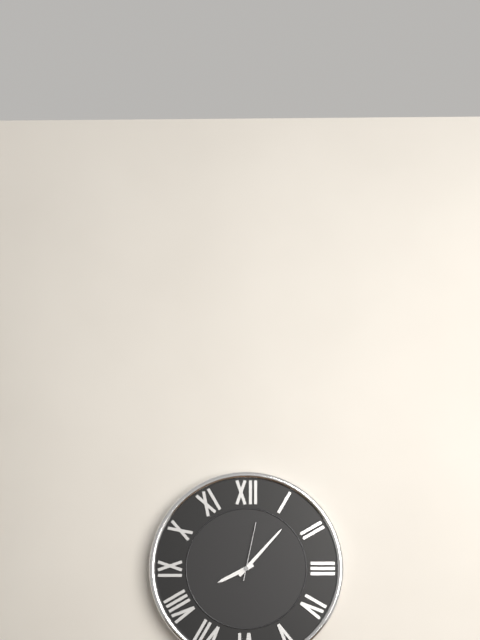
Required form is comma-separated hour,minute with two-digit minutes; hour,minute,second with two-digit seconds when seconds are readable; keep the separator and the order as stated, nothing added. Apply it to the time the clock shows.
8,07,02
